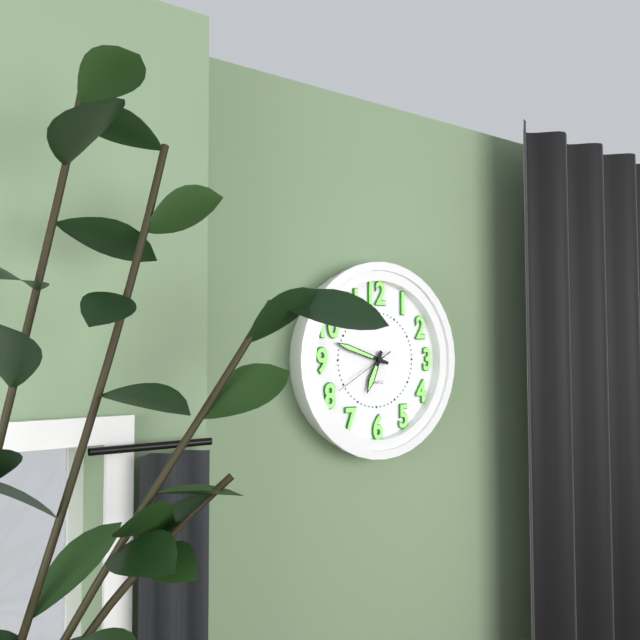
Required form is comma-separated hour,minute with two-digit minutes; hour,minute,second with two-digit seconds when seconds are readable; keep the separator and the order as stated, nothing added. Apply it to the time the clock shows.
6,48,40
